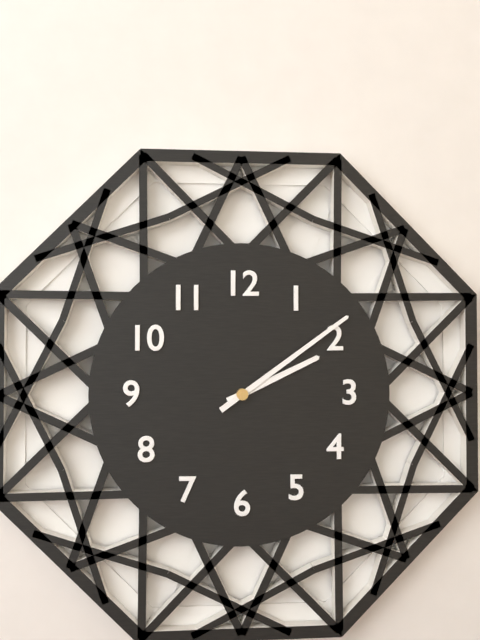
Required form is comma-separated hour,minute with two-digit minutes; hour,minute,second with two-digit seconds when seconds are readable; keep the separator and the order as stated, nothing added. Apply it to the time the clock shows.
2,09
